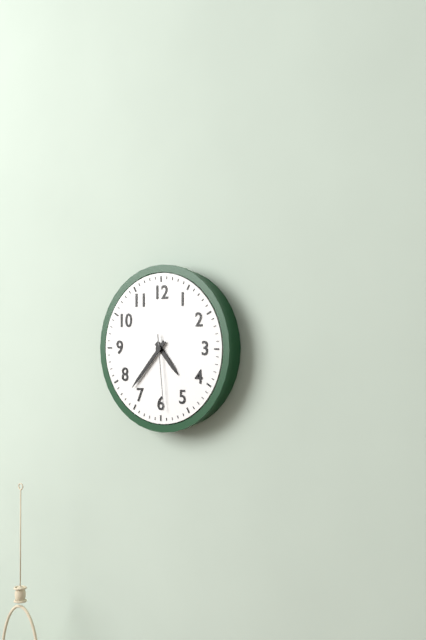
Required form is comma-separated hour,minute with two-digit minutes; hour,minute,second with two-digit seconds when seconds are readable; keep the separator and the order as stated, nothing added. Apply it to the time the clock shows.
4,37,29
